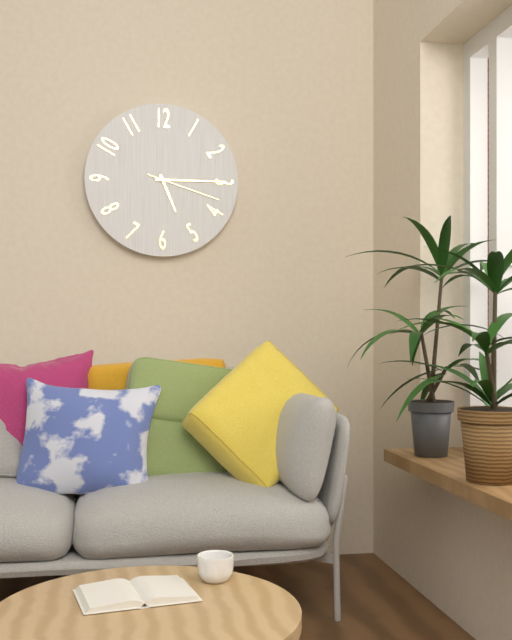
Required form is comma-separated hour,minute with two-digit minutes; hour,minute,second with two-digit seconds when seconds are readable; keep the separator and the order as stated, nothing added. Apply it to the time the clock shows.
5,15,18
